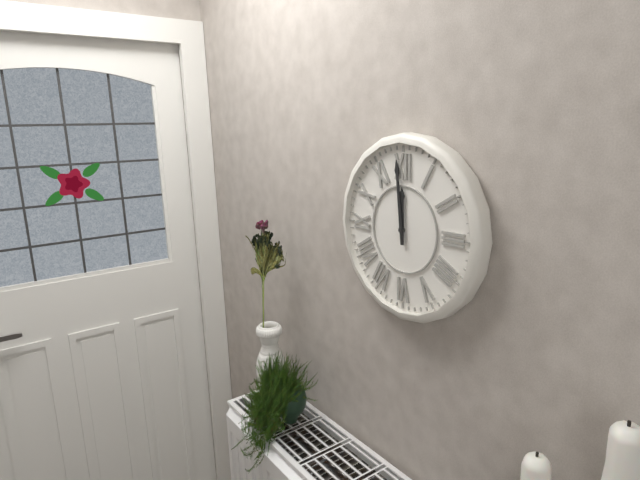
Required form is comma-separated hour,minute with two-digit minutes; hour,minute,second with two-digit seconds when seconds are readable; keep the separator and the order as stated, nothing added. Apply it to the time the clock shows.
11,59
